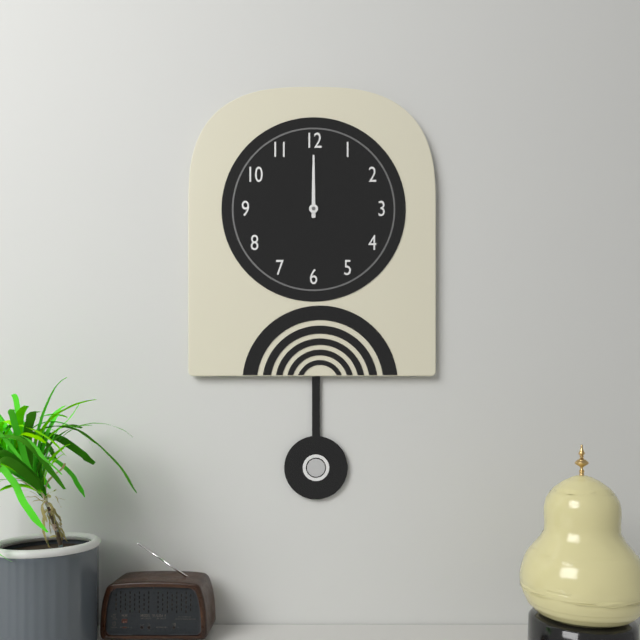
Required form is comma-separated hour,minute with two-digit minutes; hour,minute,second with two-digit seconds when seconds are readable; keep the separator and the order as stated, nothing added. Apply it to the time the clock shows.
12,00
